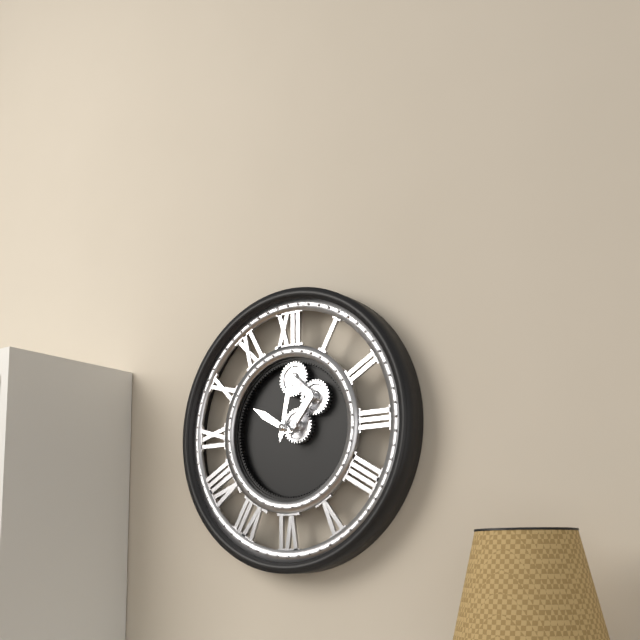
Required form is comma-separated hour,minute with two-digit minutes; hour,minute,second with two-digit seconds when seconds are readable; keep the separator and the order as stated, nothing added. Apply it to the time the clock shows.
10,02
